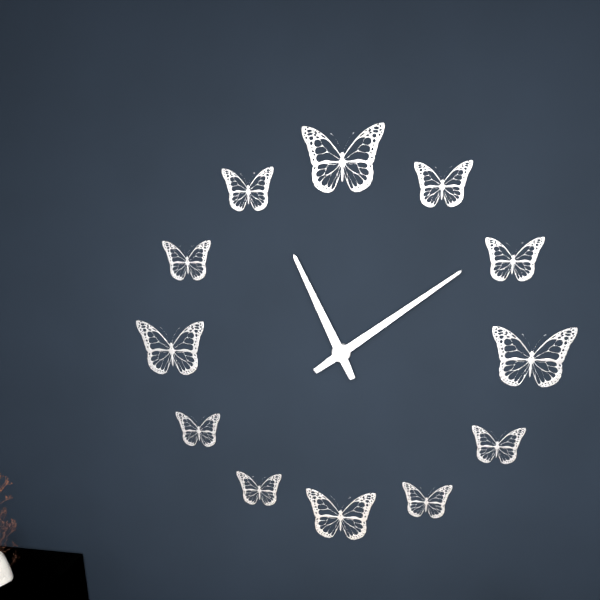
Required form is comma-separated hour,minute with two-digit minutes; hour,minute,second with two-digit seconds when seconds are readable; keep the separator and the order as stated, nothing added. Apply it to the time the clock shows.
11,09
